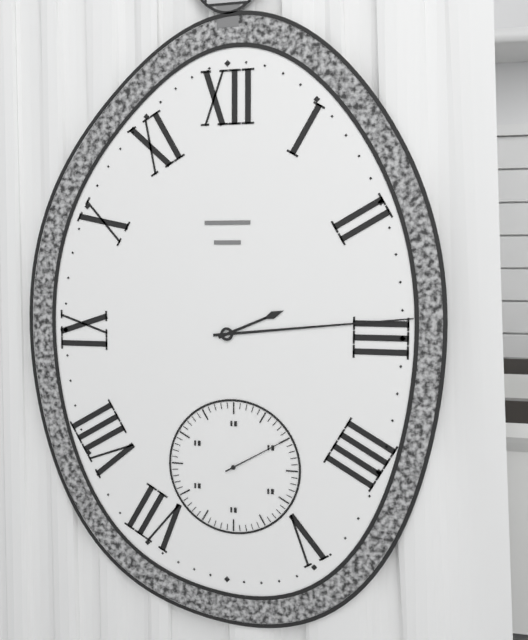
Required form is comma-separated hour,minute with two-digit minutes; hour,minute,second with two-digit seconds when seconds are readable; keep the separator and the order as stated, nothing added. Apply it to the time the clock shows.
2,14,10
